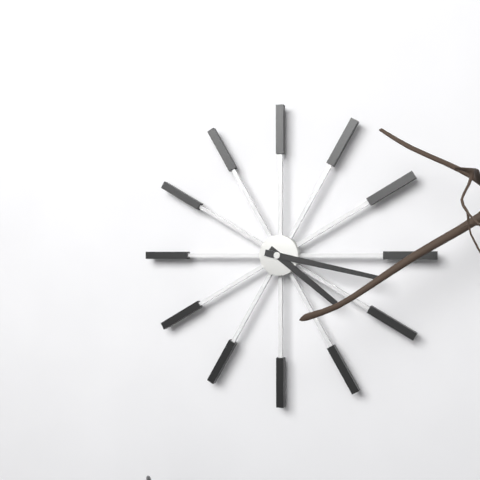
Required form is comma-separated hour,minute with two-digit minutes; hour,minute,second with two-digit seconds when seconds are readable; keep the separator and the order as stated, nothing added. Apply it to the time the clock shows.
4,17
